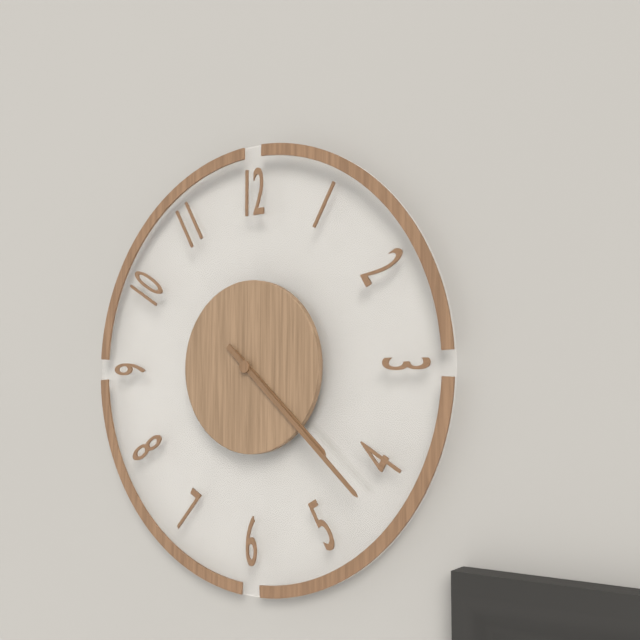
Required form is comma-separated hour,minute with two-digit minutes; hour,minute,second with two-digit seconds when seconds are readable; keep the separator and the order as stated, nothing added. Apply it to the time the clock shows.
4,22
